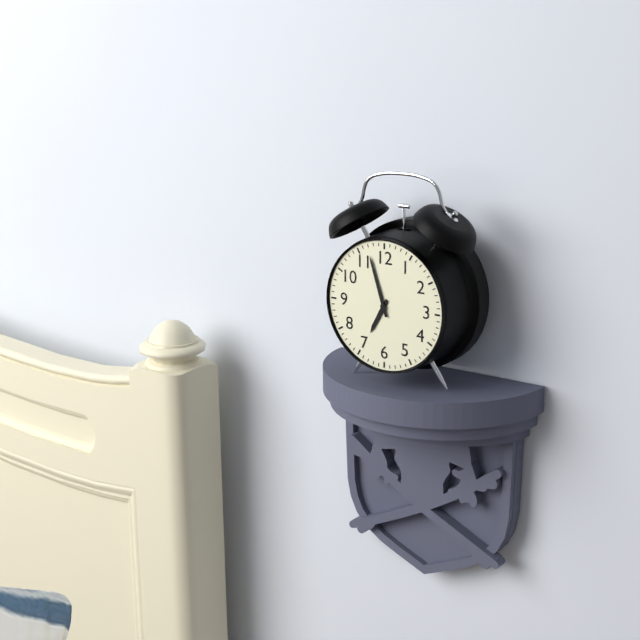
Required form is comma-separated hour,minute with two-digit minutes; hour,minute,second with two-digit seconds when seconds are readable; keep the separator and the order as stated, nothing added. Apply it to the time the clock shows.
6,57
